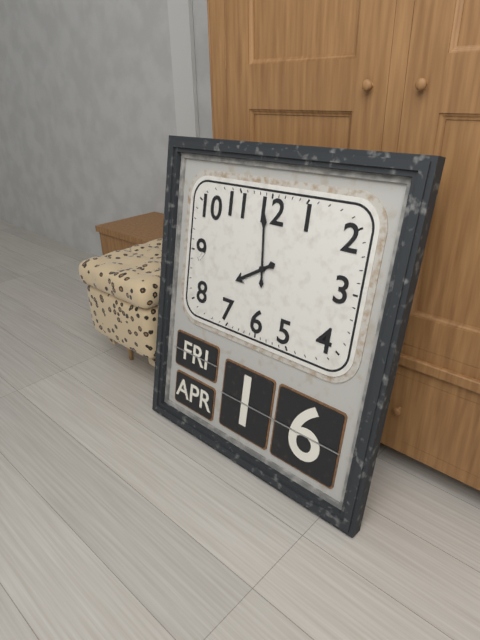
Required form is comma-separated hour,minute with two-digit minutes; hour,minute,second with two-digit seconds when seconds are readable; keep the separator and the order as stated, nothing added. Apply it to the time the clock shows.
7,59
